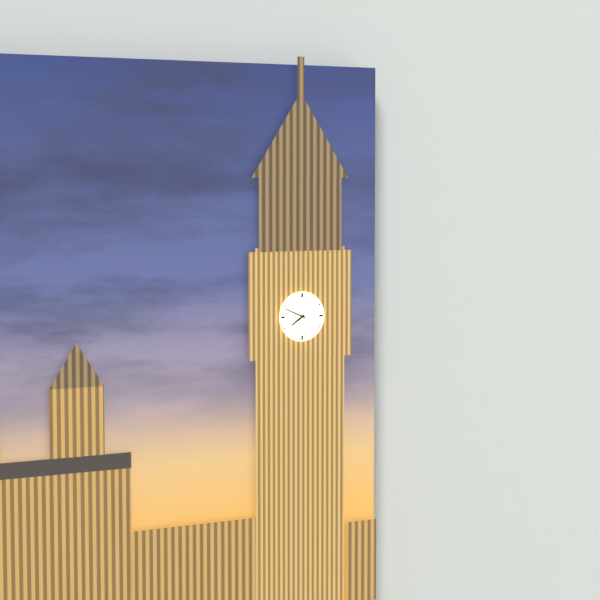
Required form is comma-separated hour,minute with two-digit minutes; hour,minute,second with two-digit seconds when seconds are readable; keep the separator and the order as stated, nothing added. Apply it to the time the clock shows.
7,49
